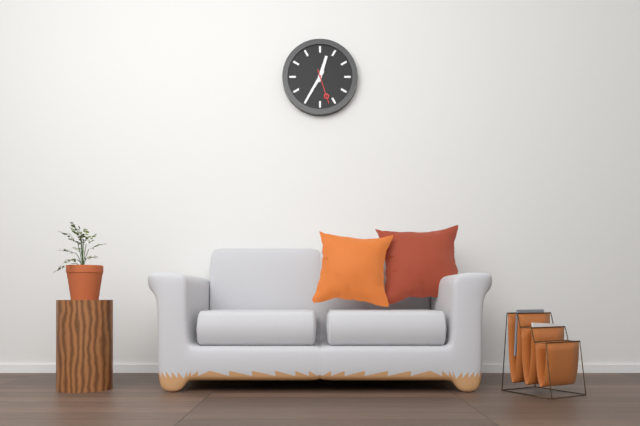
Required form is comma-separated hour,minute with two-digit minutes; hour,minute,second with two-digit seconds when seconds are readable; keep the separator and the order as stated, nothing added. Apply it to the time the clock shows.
12,35
